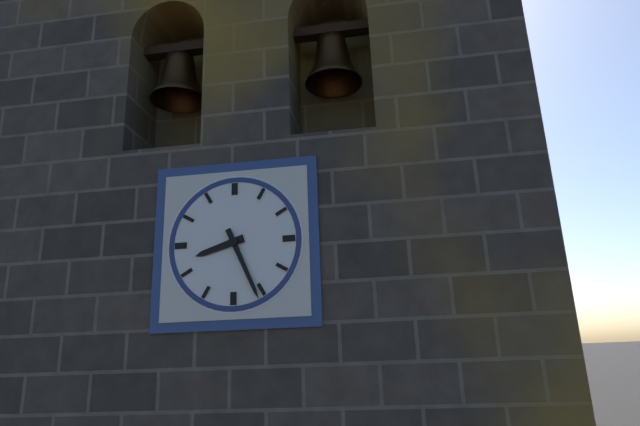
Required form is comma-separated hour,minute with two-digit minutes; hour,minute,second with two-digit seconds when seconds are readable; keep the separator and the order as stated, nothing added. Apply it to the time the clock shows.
8,26
